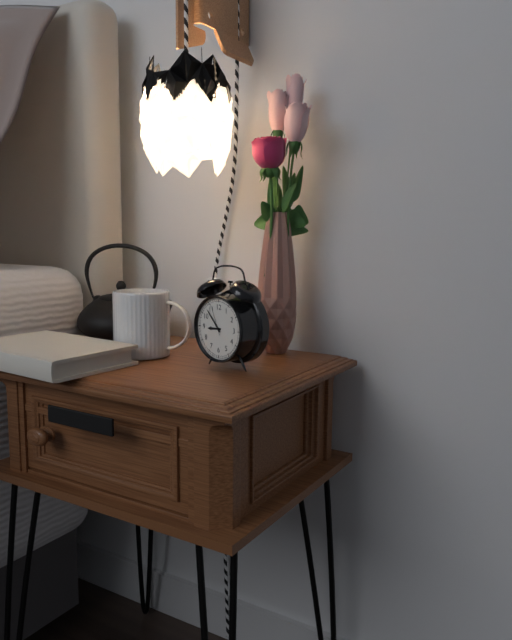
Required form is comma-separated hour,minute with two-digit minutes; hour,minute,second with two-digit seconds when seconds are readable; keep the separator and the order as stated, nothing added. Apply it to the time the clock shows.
8,53
